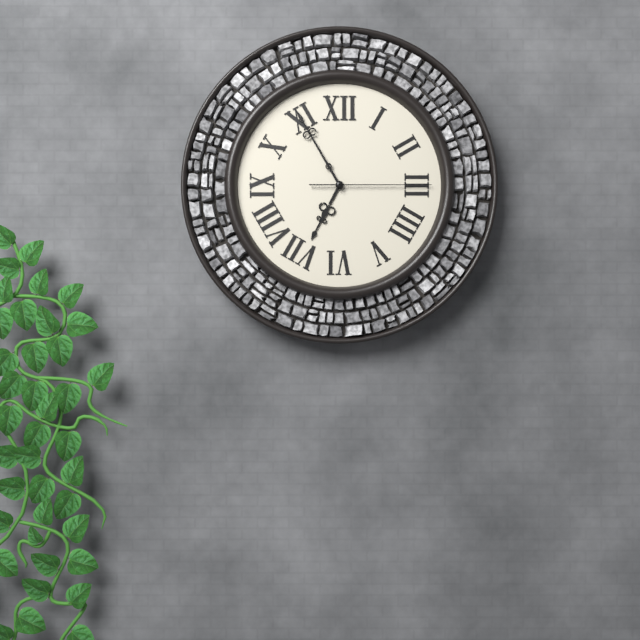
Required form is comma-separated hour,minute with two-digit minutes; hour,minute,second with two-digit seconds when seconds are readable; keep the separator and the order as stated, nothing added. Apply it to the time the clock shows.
6,55,15
